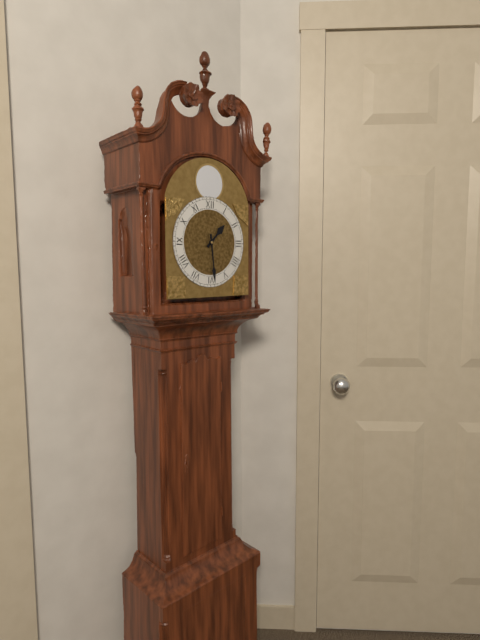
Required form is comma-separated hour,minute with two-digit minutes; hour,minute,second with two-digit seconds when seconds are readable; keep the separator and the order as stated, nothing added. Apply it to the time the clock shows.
1,29
